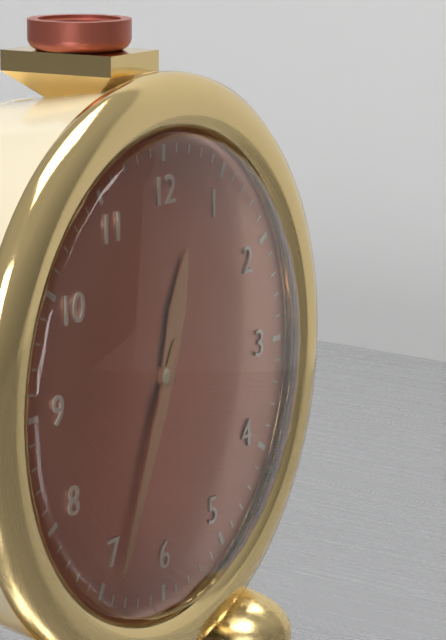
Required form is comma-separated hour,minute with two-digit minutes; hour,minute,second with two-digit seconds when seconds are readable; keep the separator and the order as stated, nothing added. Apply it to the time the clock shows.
12,34
